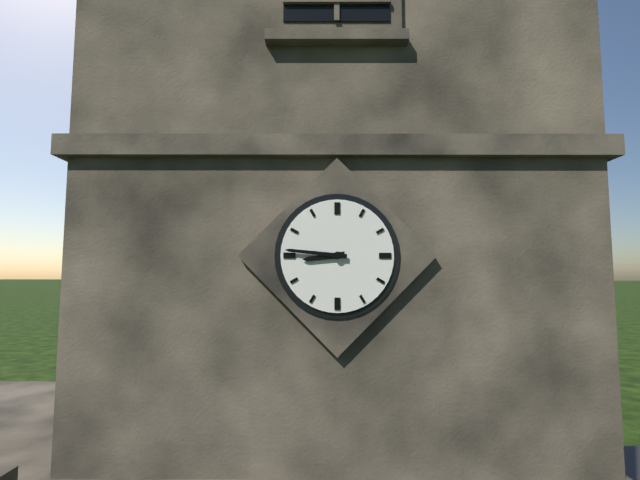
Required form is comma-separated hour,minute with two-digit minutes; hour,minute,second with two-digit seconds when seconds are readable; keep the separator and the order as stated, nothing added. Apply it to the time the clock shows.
8,46
